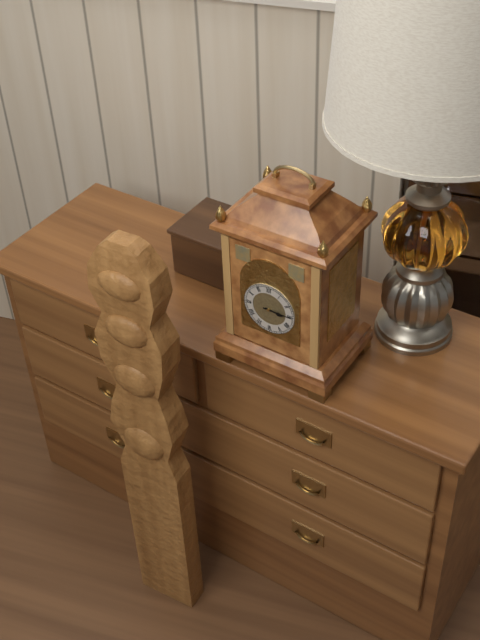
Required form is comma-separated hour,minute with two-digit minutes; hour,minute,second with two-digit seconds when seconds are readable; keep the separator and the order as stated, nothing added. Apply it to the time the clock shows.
3,15
